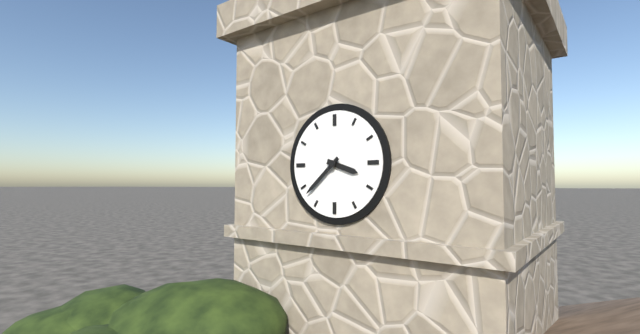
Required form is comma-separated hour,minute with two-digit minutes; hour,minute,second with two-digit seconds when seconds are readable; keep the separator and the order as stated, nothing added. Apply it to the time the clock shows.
3,38
